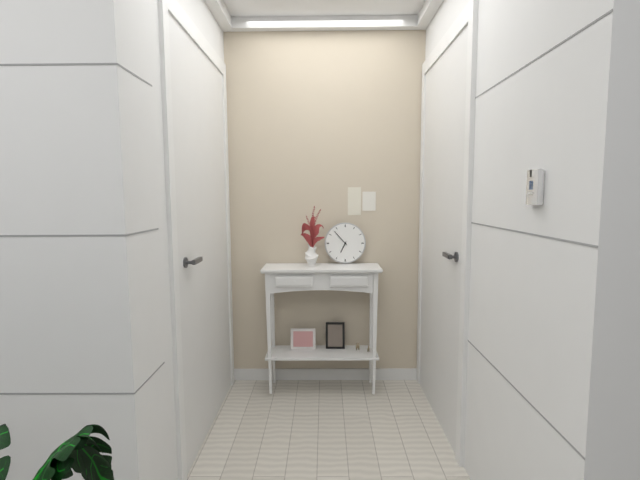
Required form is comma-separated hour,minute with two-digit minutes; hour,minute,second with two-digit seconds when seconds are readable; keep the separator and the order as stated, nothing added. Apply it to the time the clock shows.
6,53
